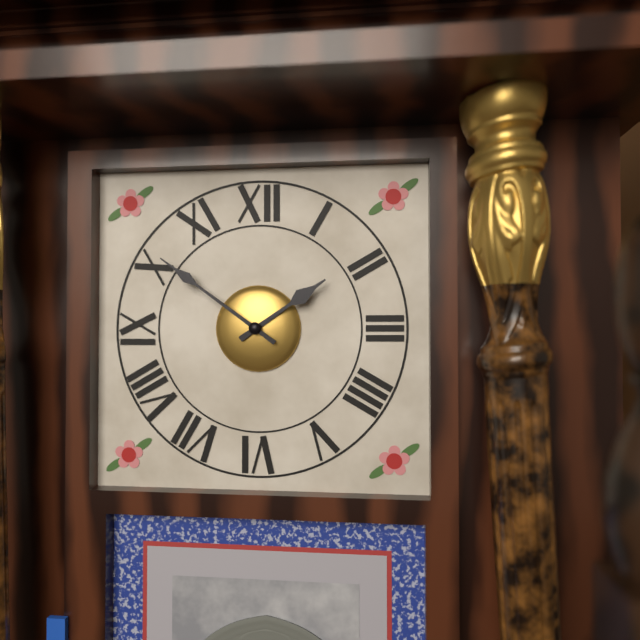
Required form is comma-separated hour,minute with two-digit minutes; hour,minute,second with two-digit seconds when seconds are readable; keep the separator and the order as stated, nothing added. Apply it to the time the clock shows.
1,51
